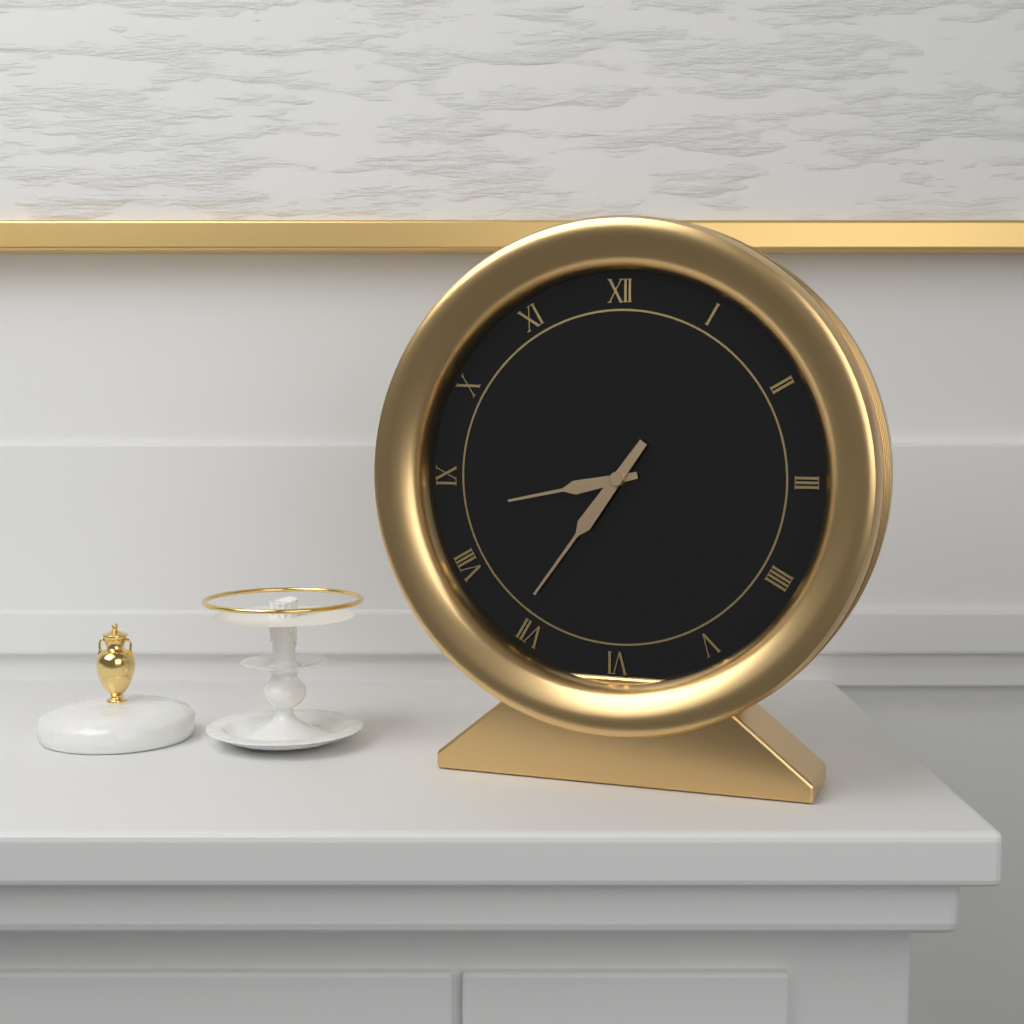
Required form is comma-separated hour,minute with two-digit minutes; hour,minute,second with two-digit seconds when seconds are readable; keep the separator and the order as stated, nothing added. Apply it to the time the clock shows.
8,36
